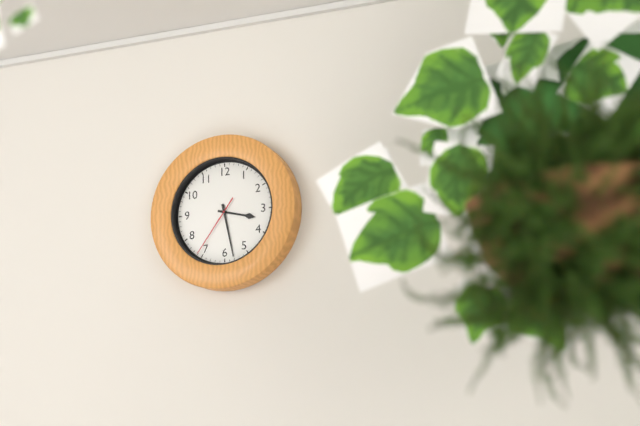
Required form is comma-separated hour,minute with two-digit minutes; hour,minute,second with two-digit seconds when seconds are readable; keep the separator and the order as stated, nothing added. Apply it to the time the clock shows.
3,28,36
